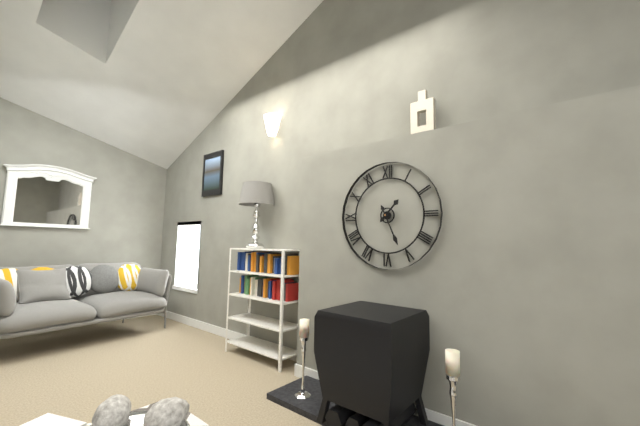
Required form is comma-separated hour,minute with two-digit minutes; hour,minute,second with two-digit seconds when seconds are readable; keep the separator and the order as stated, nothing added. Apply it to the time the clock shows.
1,26
